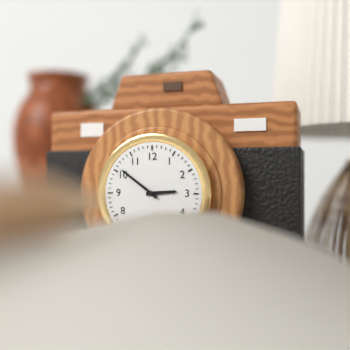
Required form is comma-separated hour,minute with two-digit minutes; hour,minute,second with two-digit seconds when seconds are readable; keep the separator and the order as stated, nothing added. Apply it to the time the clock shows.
2,51
